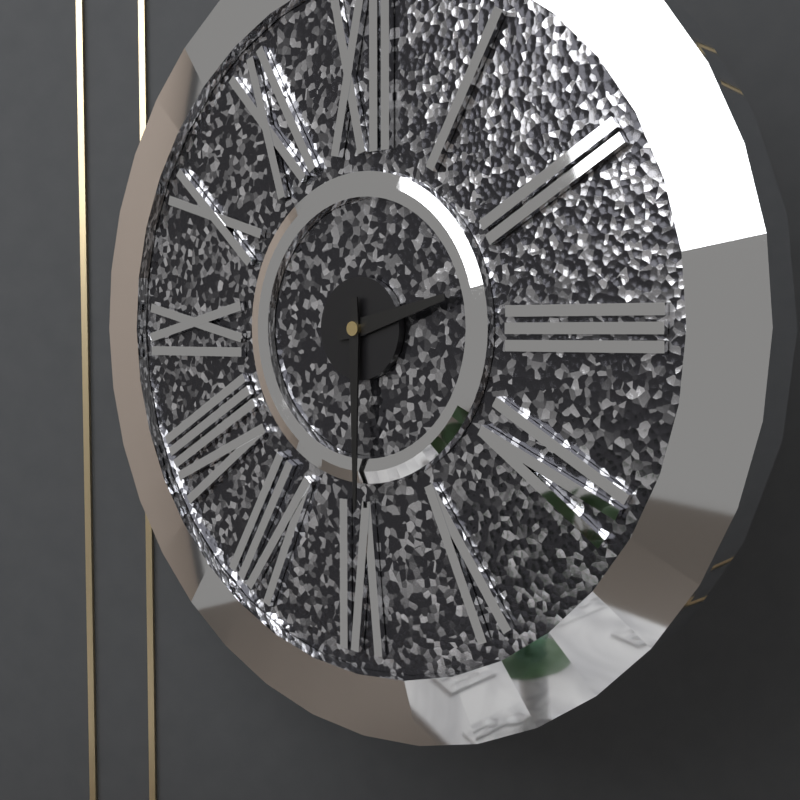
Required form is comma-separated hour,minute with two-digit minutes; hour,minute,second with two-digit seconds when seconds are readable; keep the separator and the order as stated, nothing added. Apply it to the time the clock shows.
2,30
